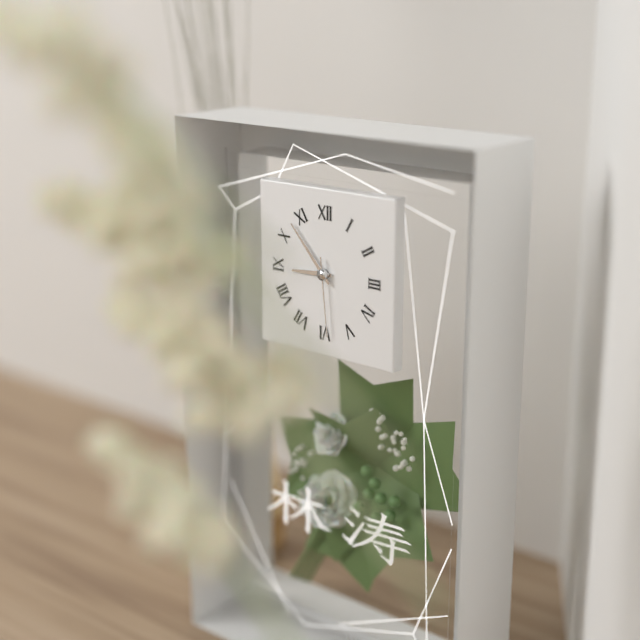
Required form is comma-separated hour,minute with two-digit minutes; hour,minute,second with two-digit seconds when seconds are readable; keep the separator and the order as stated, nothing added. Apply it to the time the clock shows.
8,53,29
